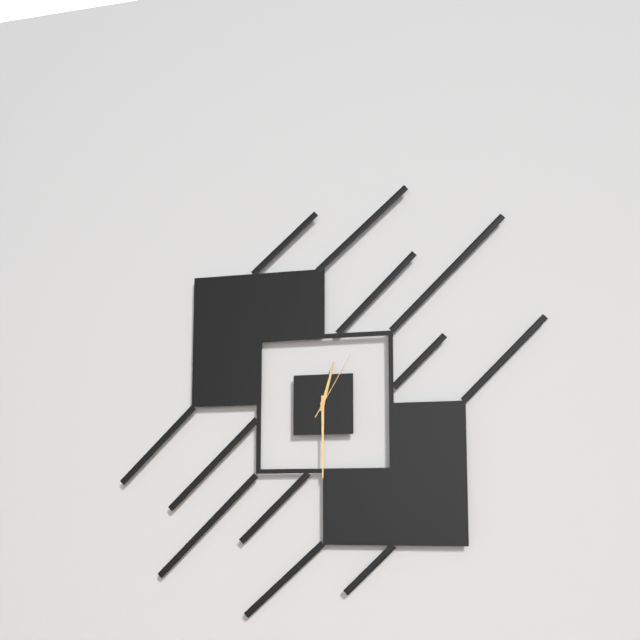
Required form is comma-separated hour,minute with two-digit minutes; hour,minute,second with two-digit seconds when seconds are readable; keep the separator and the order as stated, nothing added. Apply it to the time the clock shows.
12,30,05
